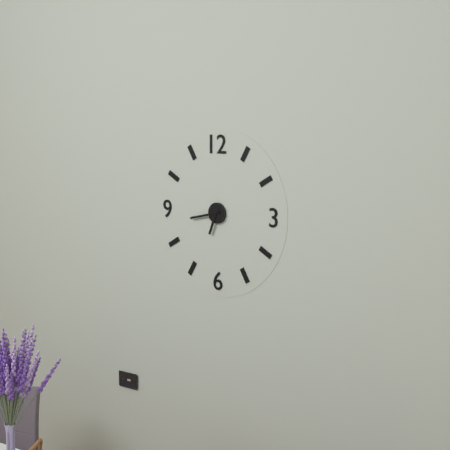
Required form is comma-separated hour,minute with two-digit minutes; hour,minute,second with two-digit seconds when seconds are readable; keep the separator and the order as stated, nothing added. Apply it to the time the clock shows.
6,43
